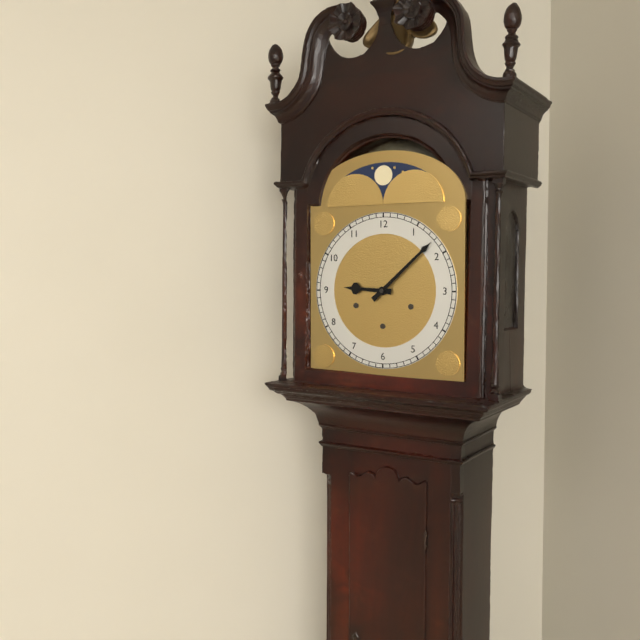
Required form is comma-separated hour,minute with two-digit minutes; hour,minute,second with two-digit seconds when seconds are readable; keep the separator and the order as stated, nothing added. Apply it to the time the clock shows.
9,08
